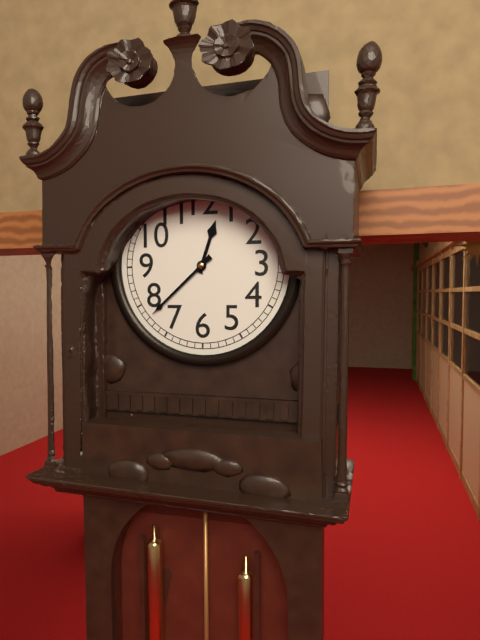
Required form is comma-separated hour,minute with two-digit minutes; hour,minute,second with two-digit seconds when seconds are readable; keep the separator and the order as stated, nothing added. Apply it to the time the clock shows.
12,38
